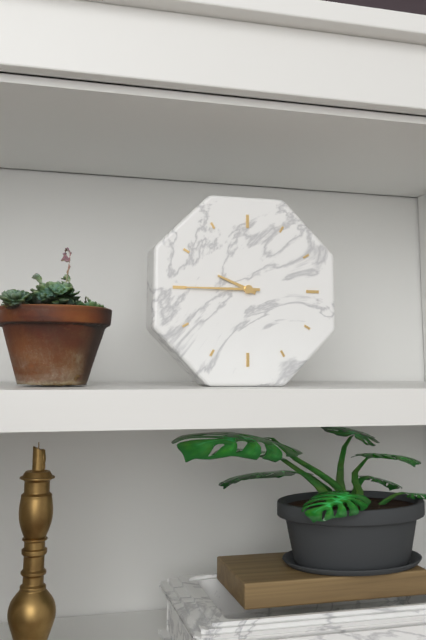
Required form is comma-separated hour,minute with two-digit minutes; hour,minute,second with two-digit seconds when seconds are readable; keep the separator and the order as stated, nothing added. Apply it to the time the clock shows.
9,45
